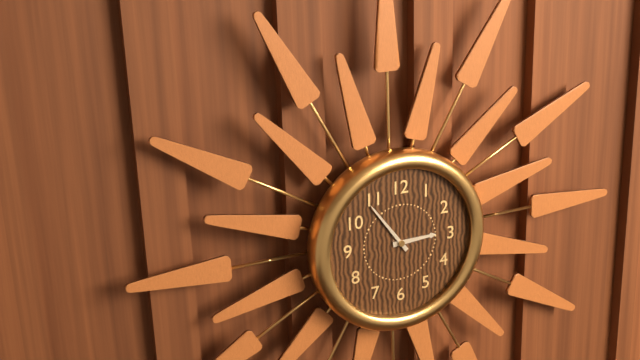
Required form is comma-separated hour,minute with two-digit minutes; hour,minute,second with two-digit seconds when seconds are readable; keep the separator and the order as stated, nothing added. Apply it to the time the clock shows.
2,54
